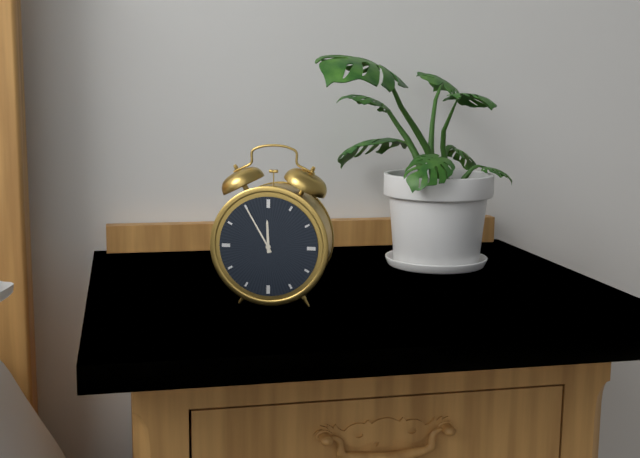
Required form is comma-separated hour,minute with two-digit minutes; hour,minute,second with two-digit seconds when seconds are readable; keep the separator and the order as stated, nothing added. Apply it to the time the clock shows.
11,55
